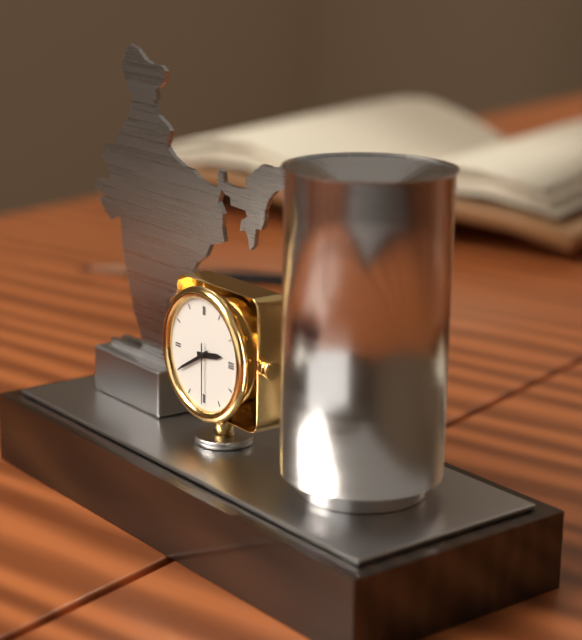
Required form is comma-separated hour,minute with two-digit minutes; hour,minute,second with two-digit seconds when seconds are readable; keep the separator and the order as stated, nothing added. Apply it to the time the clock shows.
2,40,30
